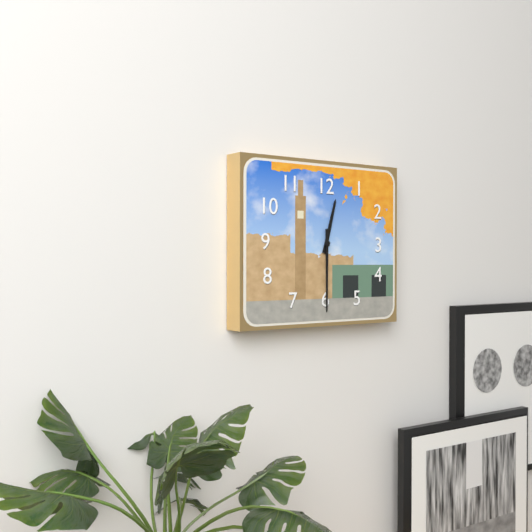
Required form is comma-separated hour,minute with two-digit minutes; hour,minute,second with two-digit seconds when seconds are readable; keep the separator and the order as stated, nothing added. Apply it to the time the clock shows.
12,30
